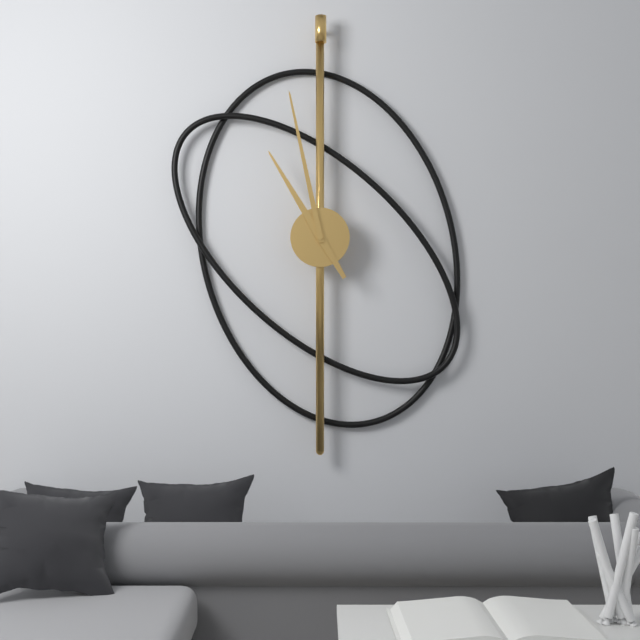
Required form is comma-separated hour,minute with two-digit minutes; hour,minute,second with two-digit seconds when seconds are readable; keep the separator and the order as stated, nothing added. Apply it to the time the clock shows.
10,58
